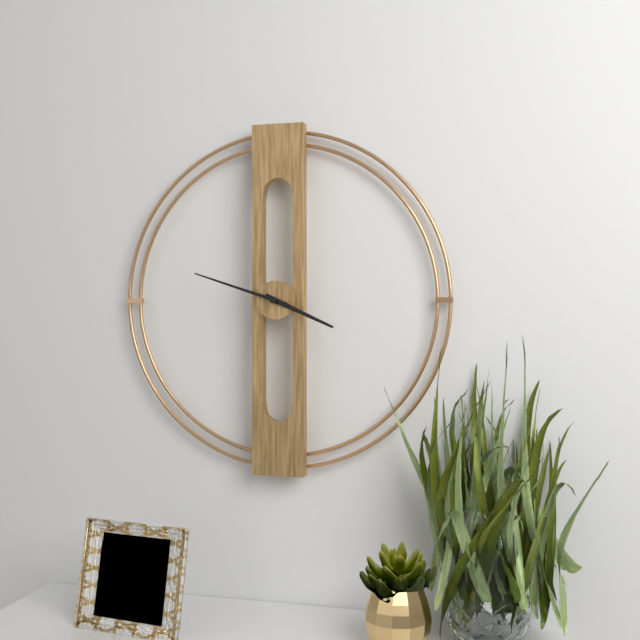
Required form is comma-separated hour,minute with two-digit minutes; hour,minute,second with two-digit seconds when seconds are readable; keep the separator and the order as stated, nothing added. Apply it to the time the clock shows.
3,48
